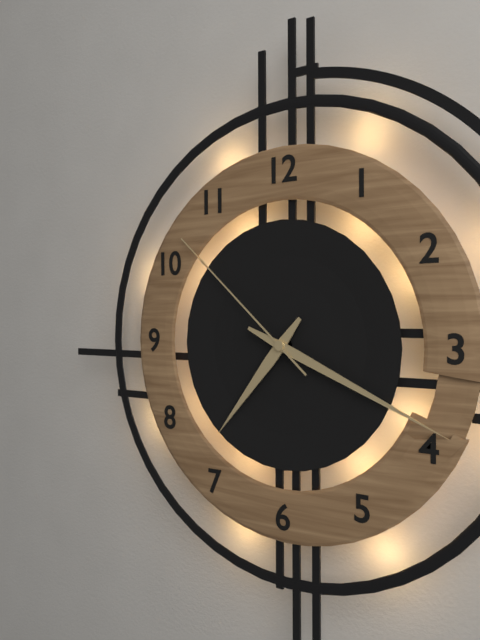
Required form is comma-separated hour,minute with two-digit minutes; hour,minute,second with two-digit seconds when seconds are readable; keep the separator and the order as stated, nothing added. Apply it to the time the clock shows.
7,19,52
